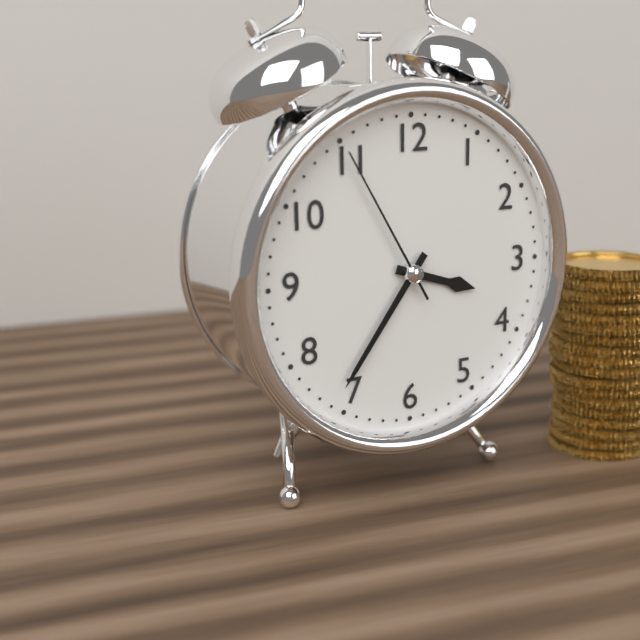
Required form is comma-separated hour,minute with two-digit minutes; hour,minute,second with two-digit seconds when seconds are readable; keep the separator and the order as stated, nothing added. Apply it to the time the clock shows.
3,36,55
